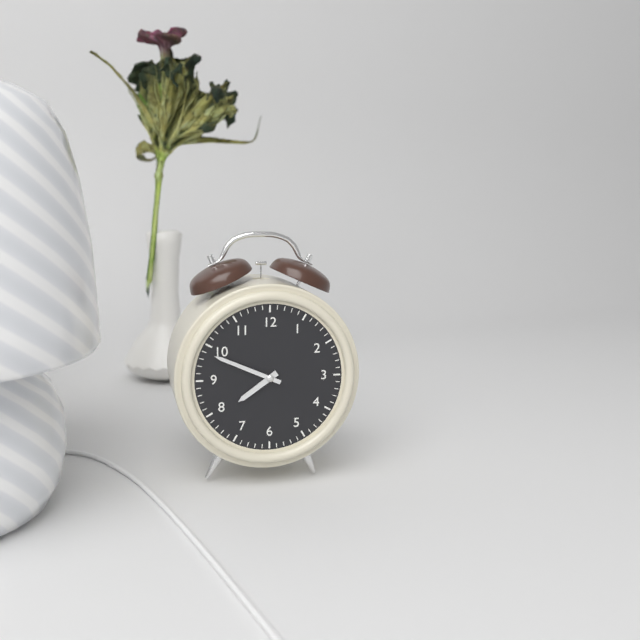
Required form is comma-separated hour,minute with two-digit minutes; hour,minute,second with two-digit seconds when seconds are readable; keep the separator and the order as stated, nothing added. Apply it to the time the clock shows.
7,49
